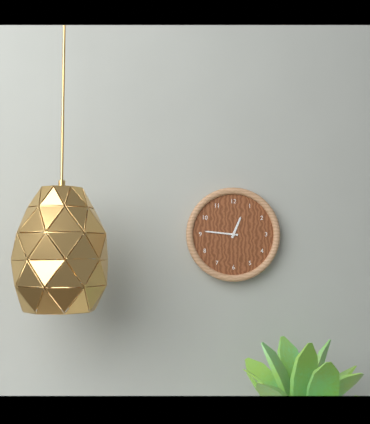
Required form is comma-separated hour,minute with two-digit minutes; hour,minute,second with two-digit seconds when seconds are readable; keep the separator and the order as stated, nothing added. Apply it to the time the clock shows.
12,46
